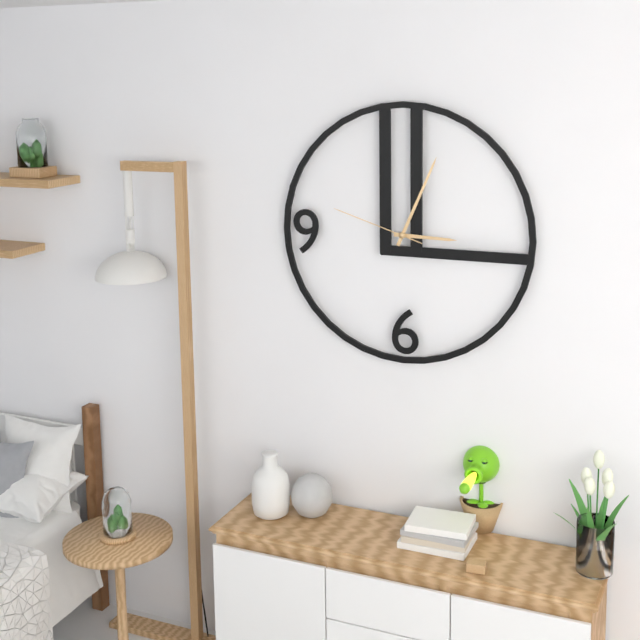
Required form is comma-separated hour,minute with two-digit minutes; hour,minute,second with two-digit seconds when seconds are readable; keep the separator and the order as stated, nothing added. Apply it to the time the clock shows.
3,04,48
